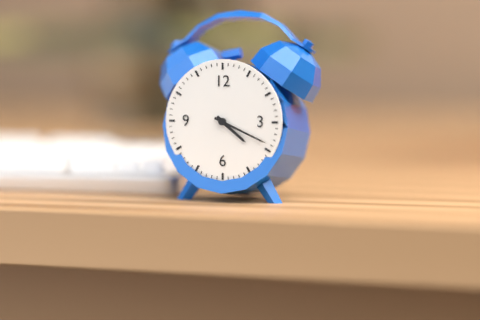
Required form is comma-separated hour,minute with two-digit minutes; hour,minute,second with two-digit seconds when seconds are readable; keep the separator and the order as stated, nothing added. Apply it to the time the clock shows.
4,19
